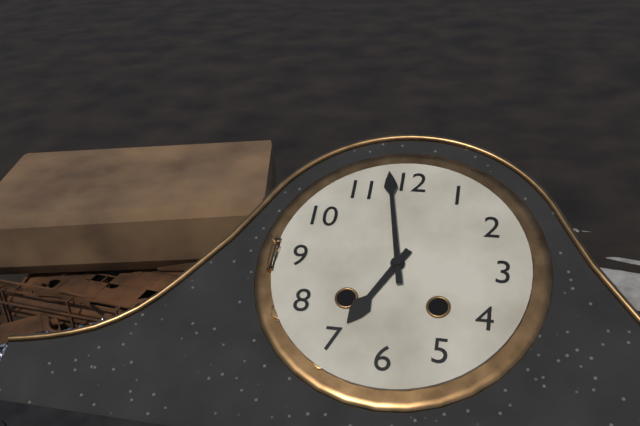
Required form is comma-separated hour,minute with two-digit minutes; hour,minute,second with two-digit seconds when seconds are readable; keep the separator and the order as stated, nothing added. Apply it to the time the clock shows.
6,58
